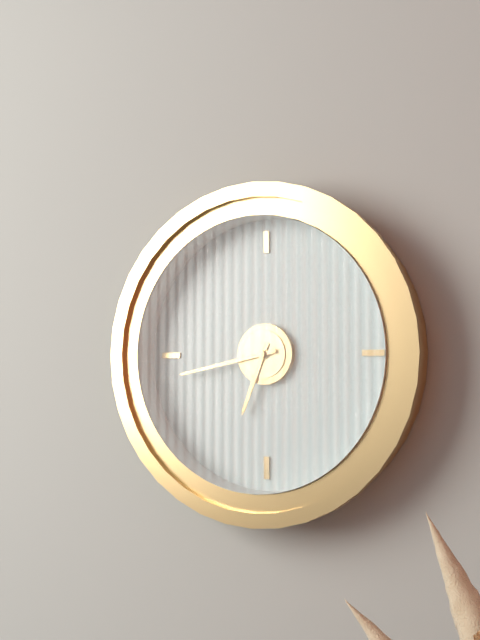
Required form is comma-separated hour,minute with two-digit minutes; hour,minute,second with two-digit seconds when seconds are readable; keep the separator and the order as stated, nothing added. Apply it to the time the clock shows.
6,43
